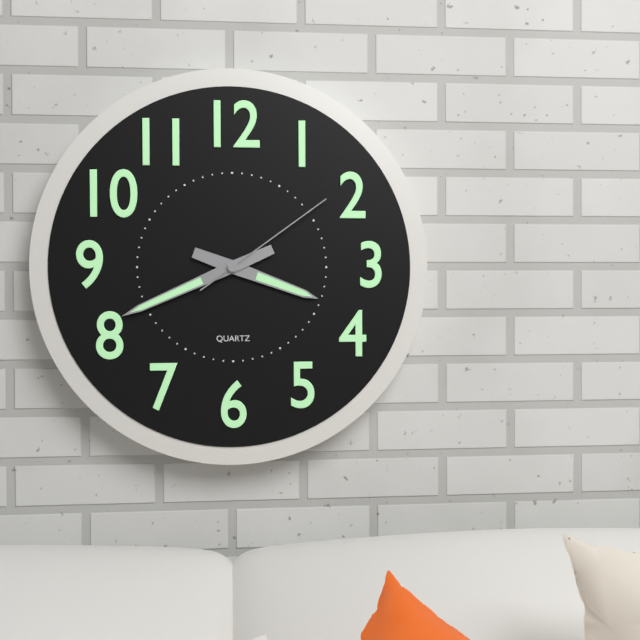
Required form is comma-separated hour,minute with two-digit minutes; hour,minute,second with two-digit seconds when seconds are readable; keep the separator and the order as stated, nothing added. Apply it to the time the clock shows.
3,41,09
